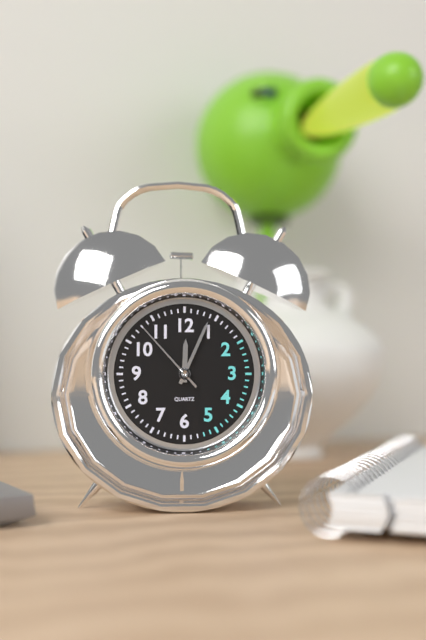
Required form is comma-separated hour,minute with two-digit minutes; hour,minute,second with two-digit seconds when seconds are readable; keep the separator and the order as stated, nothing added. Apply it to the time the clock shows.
12,04,53
